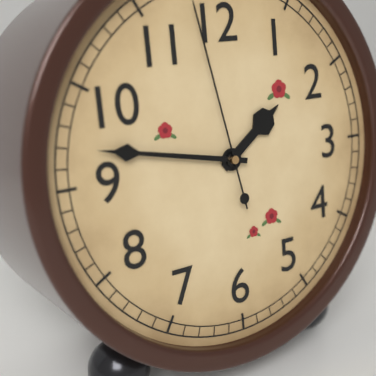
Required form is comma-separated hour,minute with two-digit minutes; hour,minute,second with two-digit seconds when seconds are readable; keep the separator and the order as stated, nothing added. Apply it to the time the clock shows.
1,47
